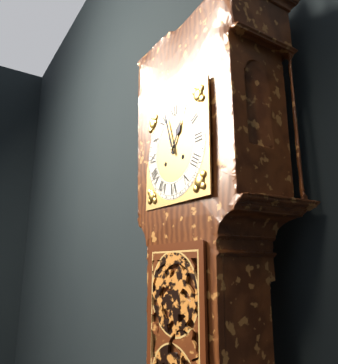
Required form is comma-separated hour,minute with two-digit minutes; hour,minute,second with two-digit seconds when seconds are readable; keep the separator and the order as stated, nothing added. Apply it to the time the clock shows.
12,57
